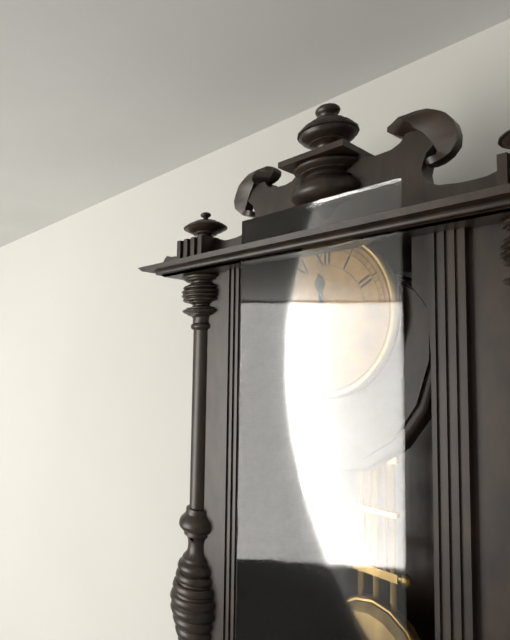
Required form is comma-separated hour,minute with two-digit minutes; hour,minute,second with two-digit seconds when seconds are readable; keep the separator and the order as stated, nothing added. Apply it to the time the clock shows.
11,46
